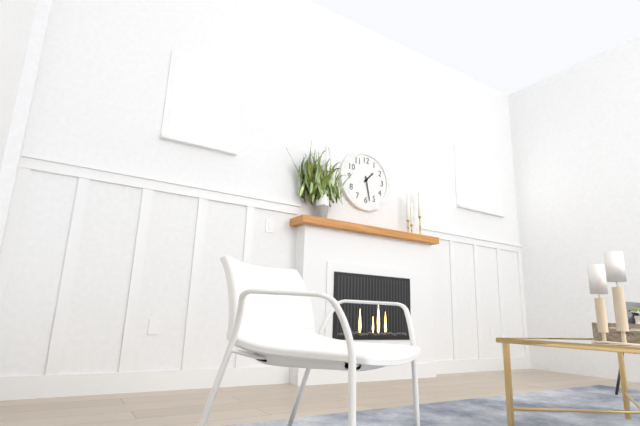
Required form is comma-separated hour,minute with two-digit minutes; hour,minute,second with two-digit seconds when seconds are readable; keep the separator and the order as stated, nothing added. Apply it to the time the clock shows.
1,28
